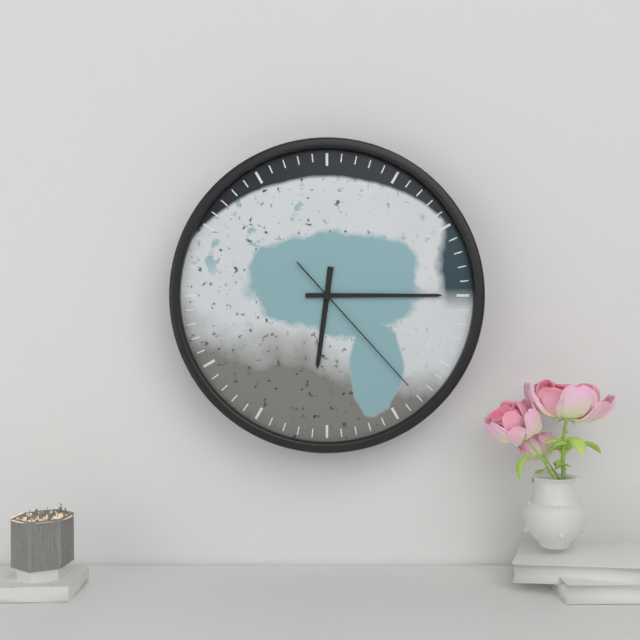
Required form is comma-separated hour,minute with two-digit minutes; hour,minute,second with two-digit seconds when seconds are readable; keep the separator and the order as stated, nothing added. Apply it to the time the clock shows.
6,15,23
